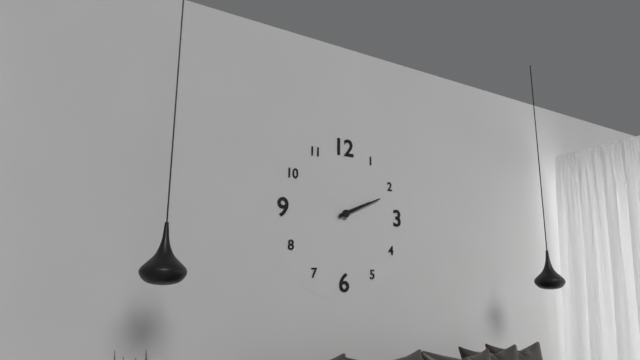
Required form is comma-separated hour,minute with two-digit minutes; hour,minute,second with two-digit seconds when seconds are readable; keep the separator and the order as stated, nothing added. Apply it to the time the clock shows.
2,11
